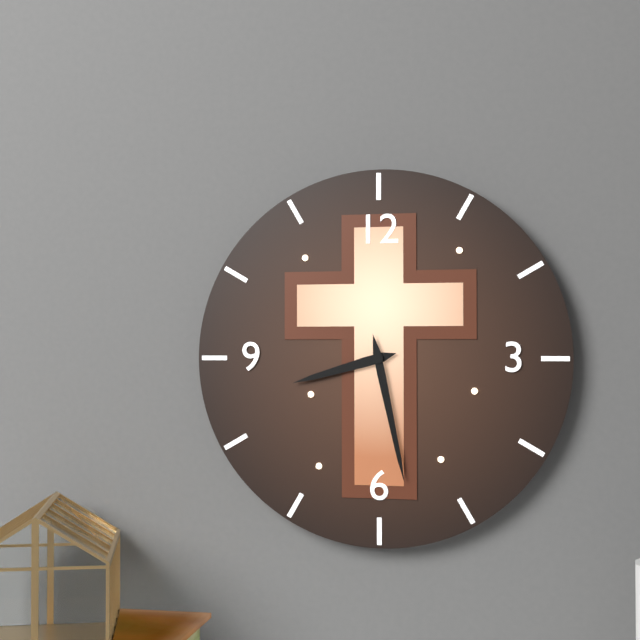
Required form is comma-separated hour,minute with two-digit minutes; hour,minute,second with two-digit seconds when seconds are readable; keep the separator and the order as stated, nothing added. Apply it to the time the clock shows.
8,28
